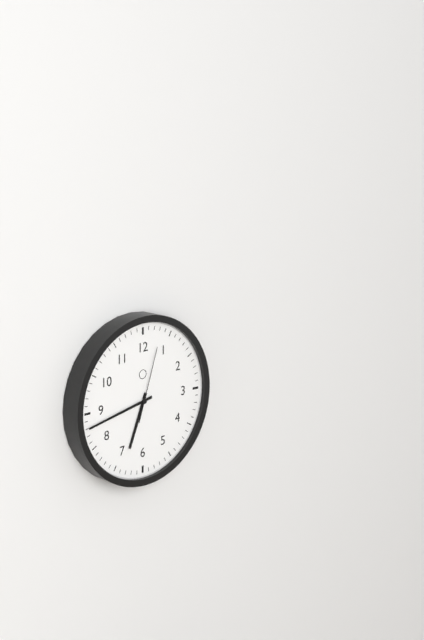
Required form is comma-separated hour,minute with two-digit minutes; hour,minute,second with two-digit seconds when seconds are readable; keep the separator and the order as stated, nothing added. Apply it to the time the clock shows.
6,43,03
